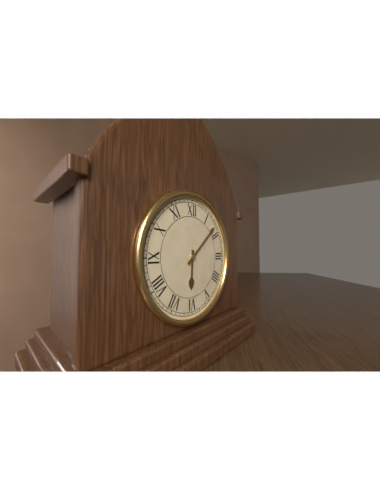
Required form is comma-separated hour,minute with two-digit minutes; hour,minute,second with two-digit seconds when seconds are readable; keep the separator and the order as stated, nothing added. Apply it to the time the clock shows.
6,08
